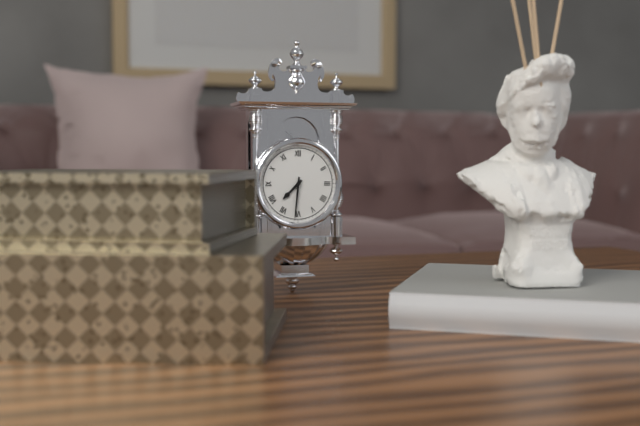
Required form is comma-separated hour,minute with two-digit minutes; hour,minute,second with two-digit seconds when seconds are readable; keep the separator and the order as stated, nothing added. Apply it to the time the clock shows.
7,31
